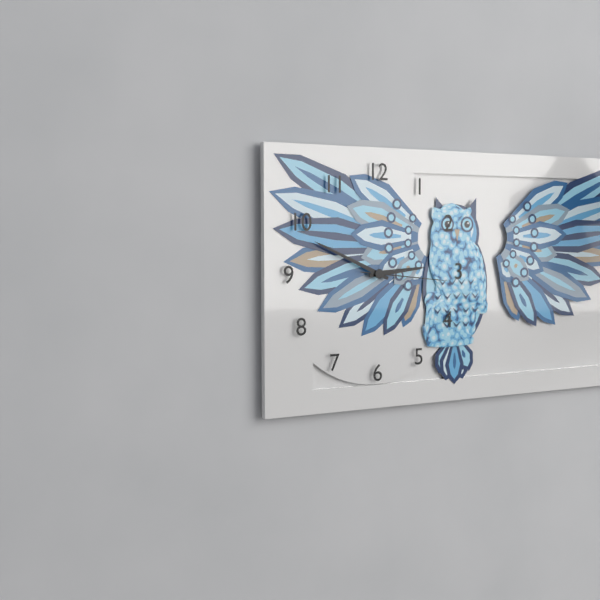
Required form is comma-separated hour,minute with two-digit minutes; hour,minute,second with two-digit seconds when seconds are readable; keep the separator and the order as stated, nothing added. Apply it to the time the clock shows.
2,49,16
